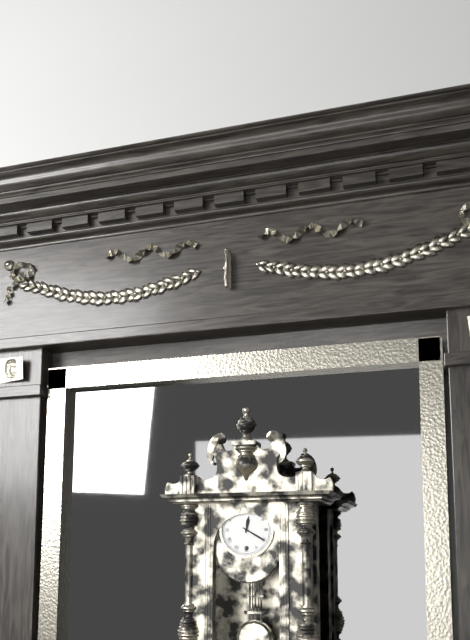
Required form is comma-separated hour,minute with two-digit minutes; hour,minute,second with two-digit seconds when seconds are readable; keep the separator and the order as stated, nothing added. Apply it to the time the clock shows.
12,20
